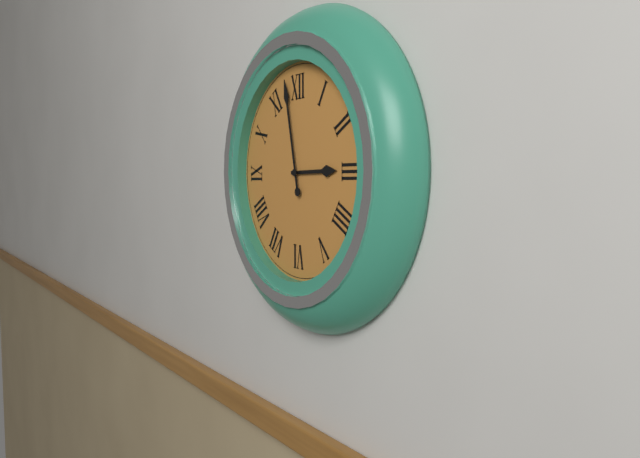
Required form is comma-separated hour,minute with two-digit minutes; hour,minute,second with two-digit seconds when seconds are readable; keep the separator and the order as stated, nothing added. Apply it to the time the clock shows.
2,58
